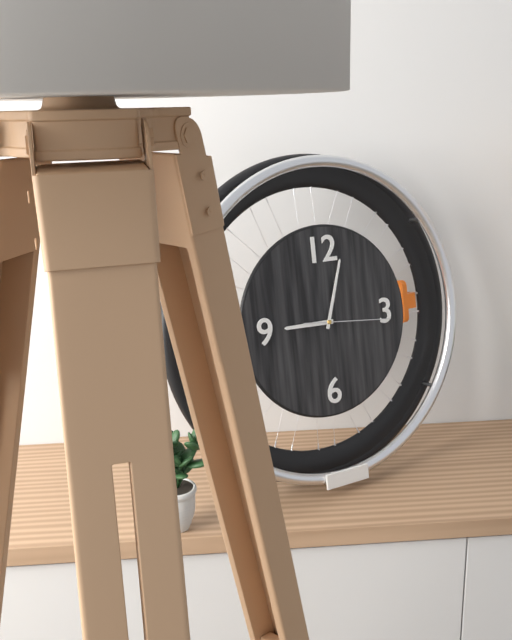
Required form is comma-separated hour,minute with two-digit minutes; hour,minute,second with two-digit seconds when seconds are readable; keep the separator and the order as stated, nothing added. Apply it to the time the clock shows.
9,03,16
